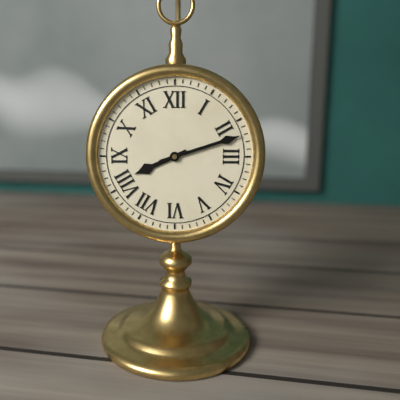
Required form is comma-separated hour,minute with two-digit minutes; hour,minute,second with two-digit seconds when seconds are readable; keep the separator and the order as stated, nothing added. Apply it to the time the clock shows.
8,12
